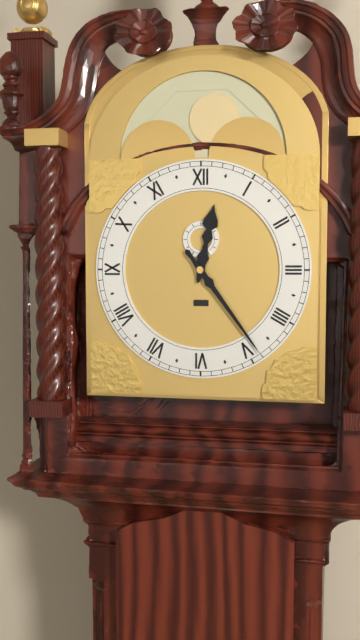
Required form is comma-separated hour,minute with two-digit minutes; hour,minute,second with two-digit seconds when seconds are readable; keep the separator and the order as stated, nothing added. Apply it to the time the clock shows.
12,24
